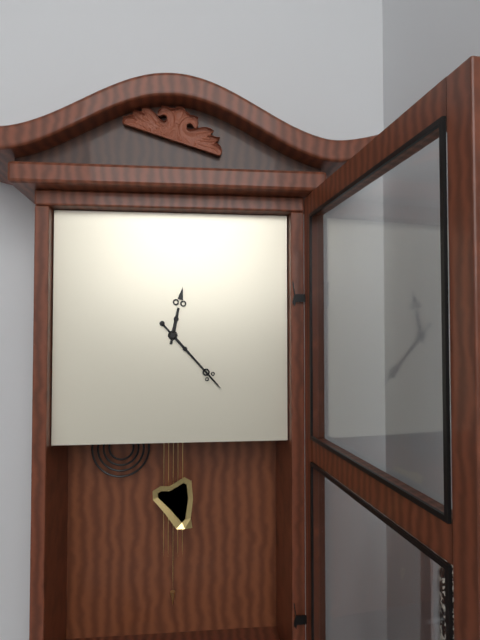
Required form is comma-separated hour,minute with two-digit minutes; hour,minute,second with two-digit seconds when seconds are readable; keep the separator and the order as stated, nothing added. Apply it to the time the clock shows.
12,23
